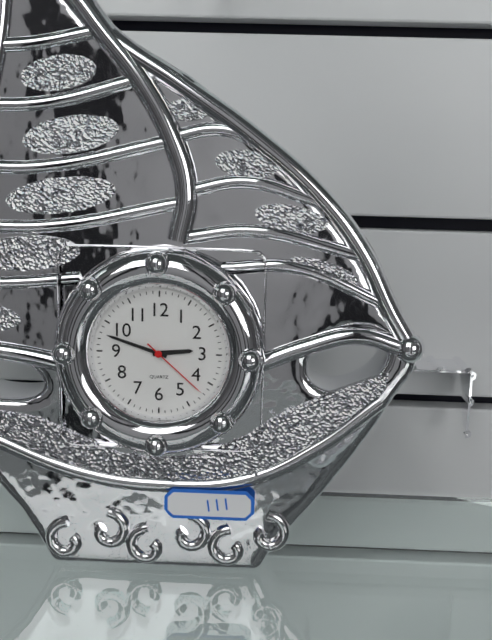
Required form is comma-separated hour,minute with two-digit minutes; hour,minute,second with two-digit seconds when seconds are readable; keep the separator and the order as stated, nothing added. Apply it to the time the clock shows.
2,48,22
